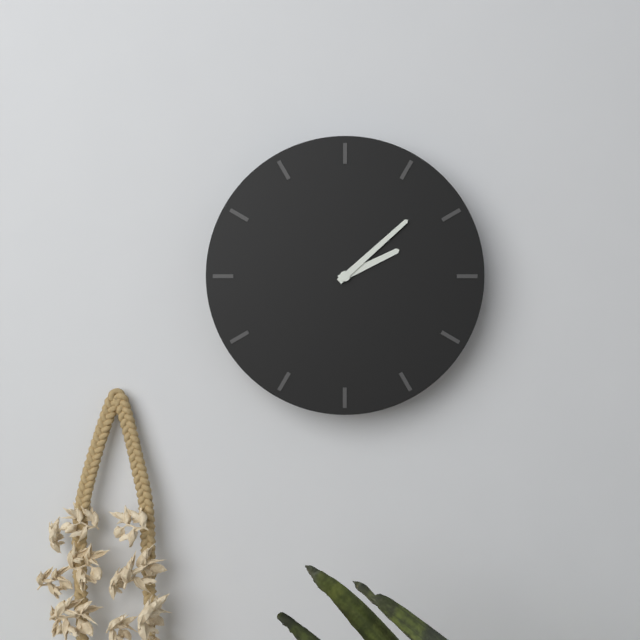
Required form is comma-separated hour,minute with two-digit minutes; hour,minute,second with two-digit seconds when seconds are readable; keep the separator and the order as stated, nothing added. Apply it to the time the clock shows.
2,08
